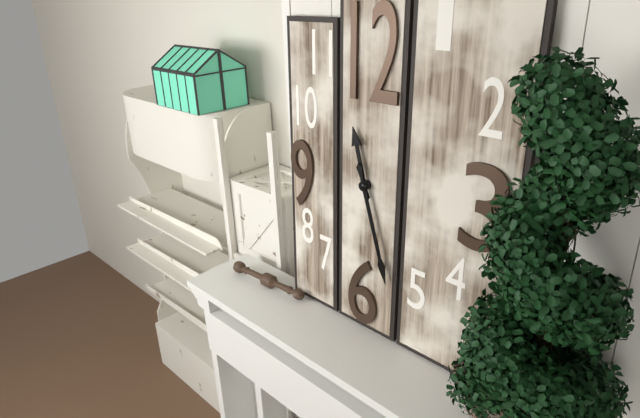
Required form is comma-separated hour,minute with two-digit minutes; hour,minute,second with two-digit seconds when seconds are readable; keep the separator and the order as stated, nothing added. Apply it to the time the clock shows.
11,27
